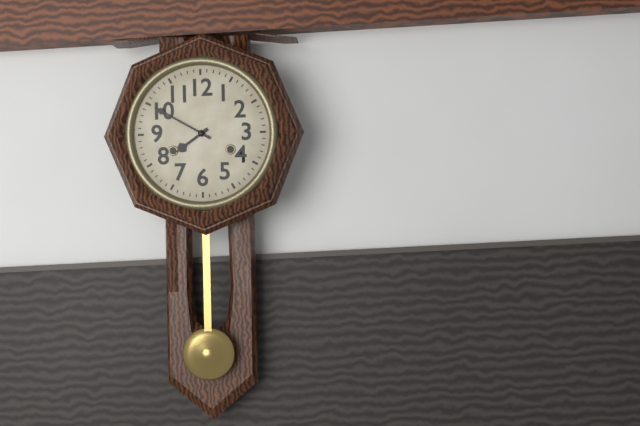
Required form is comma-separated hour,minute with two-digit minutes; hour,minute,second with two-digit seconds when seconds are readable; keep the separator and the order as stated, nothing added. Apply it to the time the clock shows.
7,50
